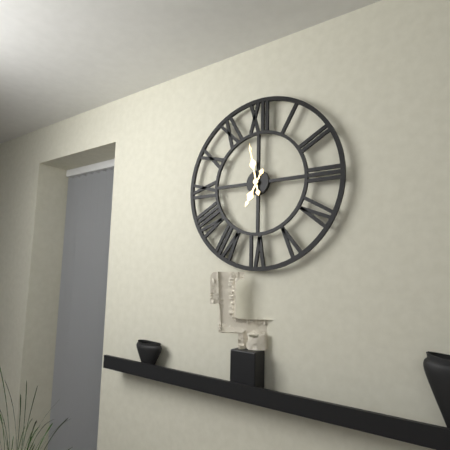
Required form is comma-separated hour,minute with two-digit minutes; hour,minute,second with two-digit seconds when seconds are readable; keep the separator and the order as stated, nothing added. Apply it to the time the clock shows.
6,58
